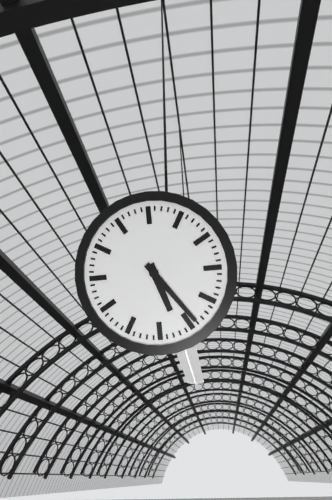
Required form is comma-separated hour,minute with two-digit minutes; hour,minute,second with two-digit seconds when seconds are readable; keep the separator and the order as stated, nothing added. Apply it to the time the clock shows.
5,24
